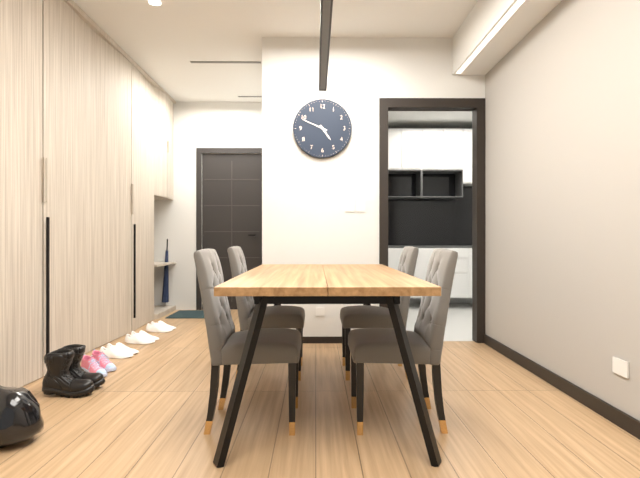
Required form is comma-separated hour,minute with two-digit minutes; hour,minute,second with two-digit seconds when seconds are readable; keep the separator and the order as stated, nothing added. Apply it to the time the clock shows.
4,49
